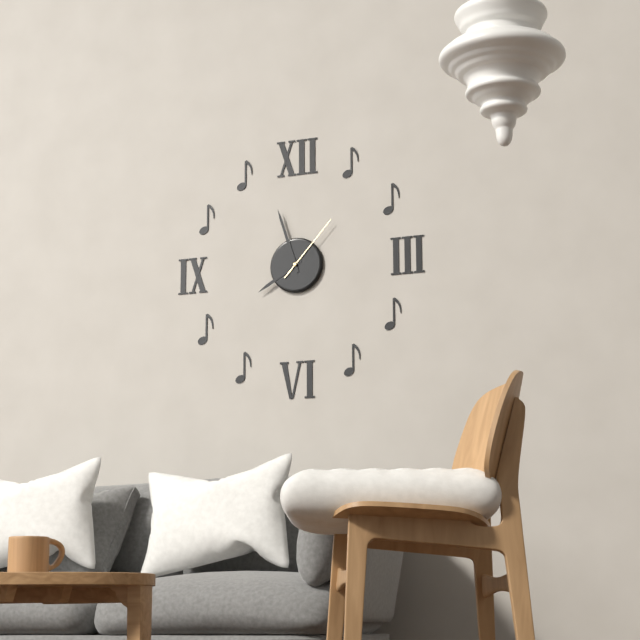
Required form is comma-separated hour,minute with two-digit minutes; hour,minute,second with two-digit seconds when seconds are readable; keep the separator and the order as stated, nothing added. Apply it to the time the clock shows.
7,57,07
